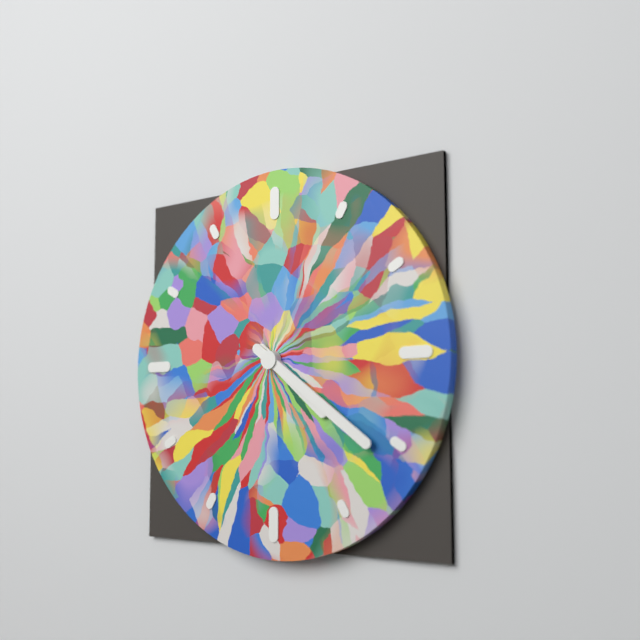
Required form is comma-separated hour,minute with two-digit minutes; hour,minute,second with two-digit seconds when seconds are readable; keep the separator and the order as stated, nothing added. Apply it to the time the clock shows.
4,21
